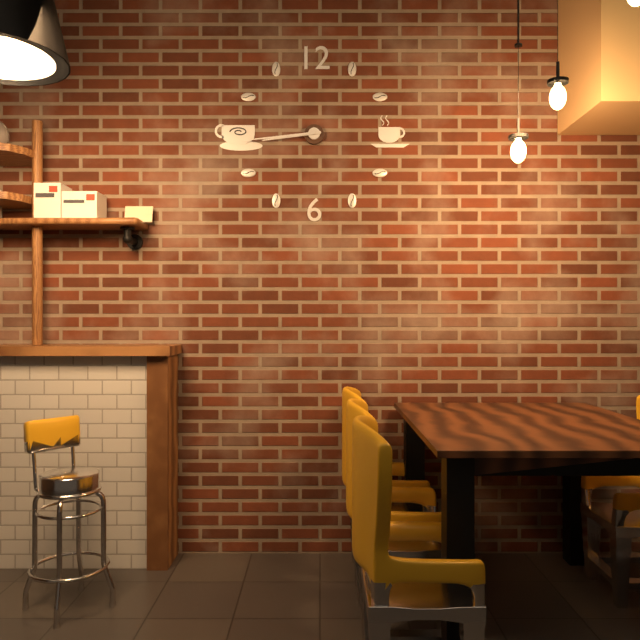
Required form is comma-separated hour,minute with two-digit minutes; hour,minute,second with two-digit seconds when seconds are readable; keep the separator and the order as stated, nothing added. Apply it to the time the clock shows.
8,44
